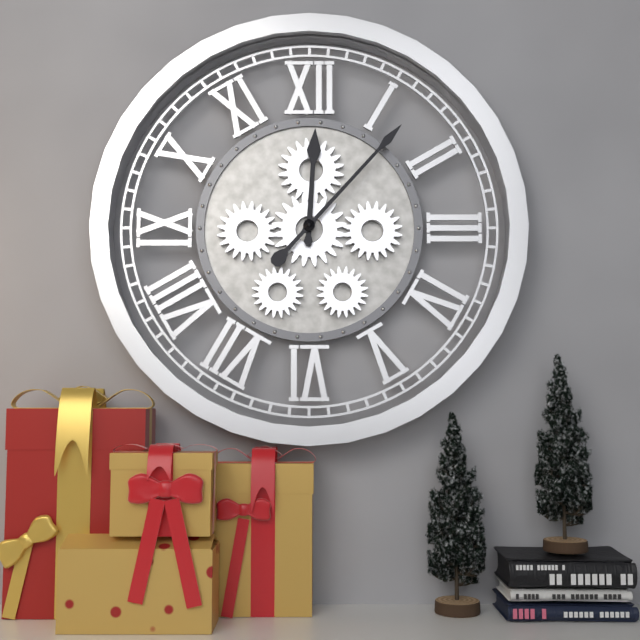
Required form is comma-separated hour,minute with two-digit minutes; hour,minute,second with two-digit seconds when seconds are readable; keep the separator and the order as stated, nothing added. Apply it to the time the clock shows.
12,07
